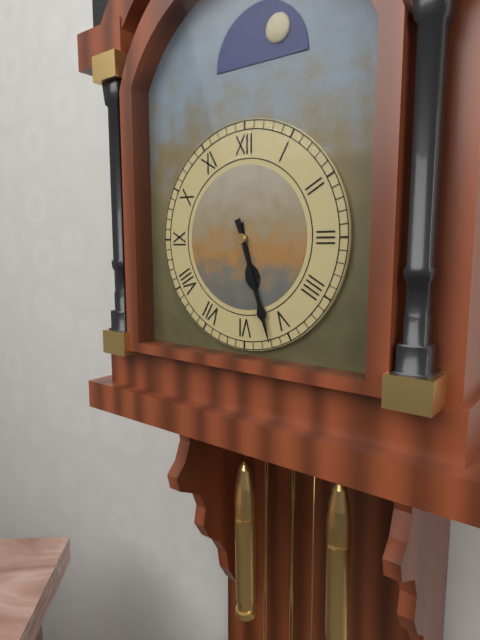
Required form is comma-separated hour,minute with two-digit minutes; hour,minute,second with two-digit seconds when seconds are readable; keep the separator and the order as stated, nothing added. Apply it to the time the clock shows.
5,27
